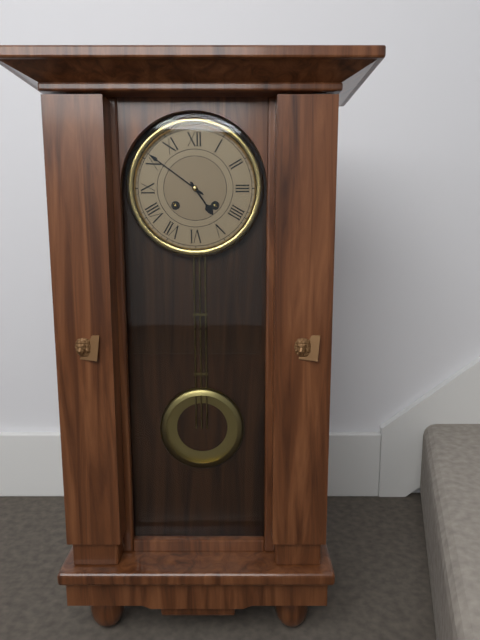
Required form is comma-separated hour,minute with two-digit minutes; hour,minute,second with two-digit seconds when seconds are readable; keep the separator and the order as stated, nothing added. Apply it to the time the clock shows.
4,51
